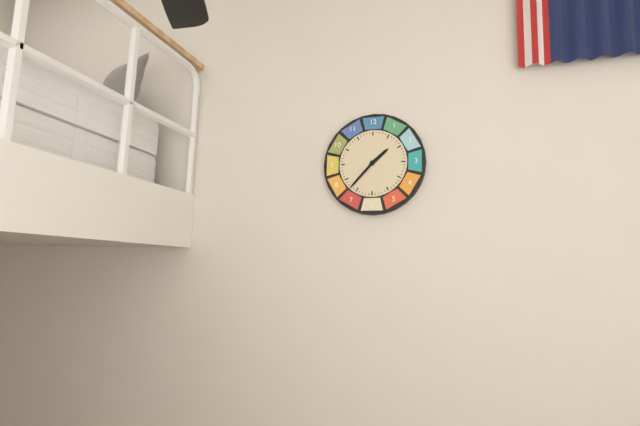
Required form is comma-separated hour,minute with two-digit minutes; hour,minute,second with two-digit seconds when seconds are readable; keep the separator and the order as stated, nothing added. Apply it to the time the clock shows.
1,37
